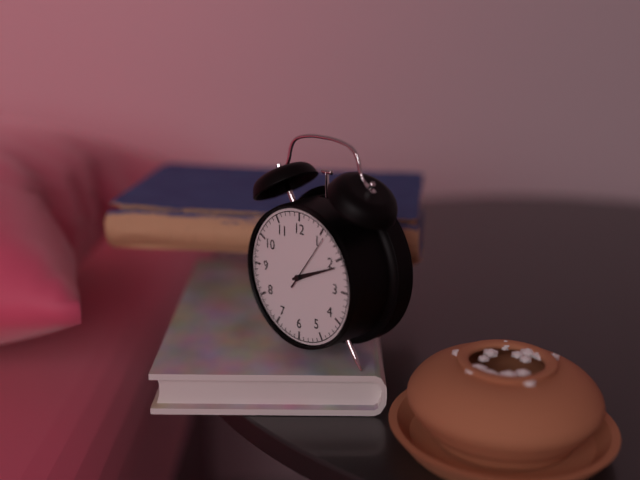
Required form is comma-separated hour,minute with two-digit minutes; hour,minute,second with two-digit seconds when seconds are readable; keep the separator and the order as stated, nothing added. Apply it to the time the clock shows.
2,11,06
